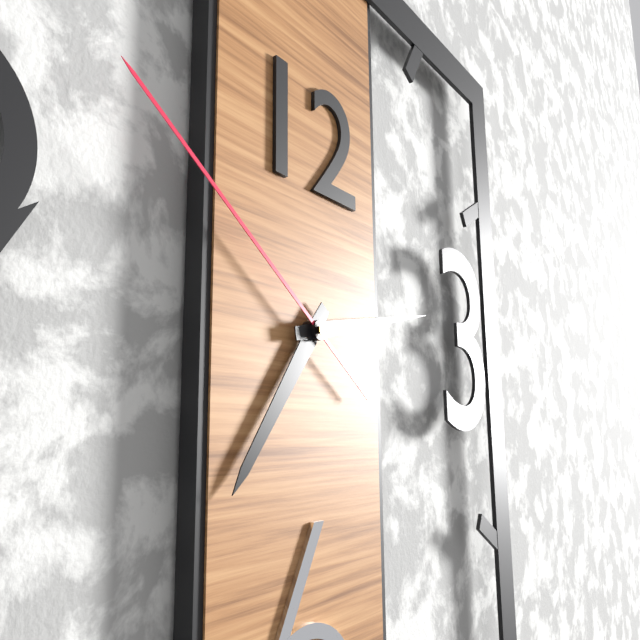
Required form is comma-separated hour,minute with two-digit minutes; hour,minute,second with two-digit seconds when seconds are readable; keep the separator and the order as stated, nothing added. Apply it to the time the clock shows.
7,13,51
